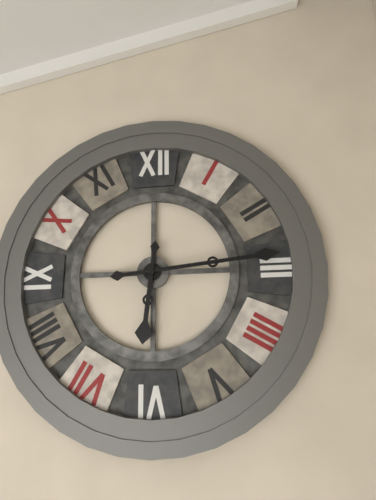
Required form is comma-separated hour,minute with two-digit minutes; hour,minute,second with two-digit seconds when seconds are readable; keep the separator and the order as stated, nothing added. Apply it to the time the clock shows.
6,14
